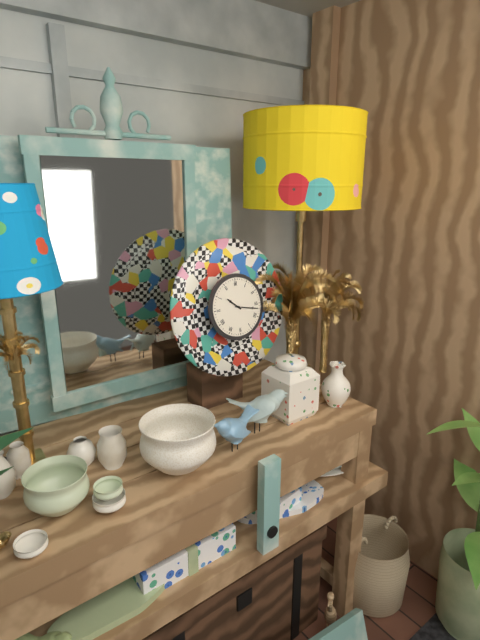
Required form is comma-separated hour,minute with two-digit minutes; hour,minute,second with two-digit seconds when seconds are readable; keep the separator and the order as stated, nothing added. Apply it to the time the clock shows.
10,17
